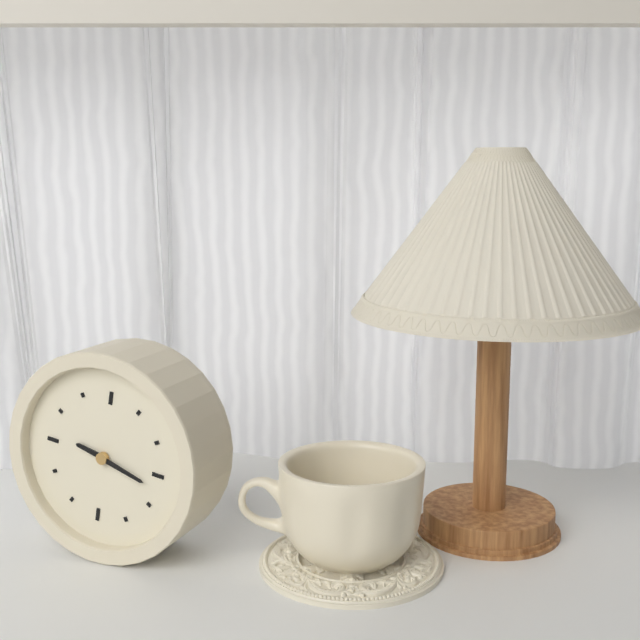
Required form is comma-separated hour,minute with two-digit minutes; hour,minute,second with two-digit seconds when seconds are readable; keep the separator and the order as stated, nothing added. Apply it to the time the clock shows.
9,17
